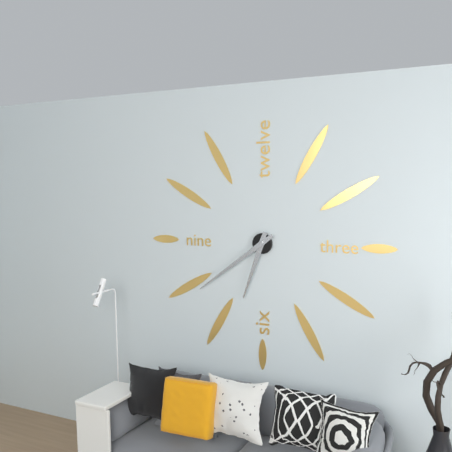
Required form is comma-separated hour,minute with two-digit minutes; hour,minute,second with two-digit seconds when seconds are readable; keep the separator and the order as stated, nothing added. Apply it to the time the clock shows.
6,39
